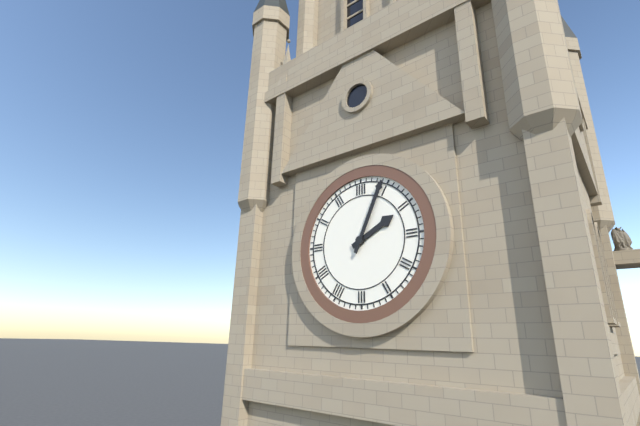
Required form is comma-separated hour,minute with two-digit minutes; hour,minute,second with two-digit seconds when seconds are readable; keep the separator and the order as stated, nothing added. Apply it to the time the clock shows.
2,04
